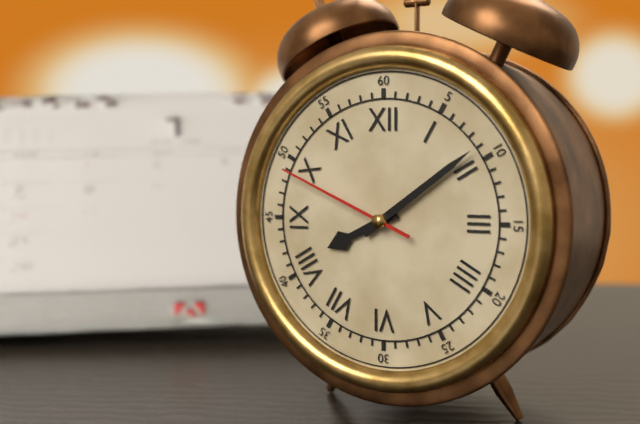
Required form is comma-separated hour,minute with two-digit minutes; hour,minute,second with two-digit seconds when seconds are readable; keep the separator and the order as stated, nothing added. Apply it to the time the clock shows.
8,09,49
